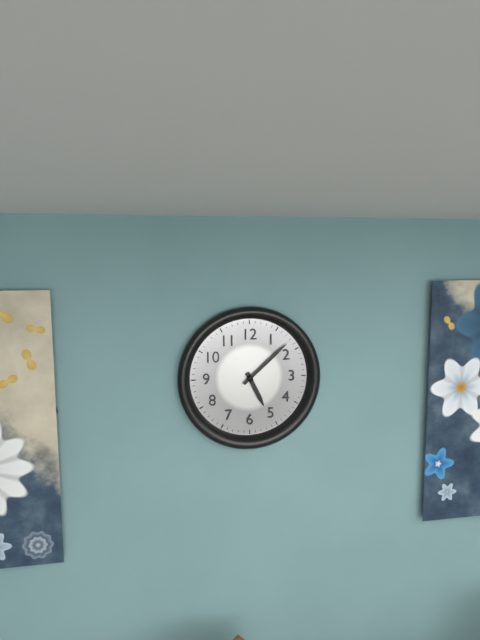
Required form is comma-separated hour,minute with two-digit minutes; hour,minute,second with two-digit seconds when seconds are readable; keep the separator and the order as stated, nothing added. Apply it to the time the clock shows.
5,08
